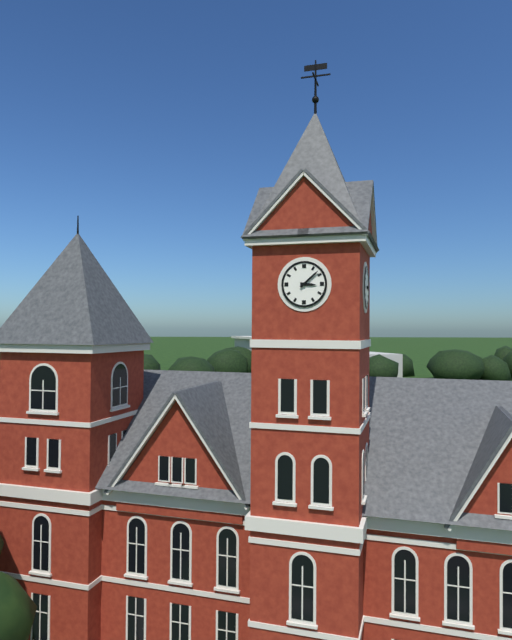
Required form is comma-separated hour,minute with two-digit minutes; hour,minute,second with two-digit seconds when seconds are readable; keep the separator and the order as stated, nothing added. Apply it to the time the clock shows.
3,08
